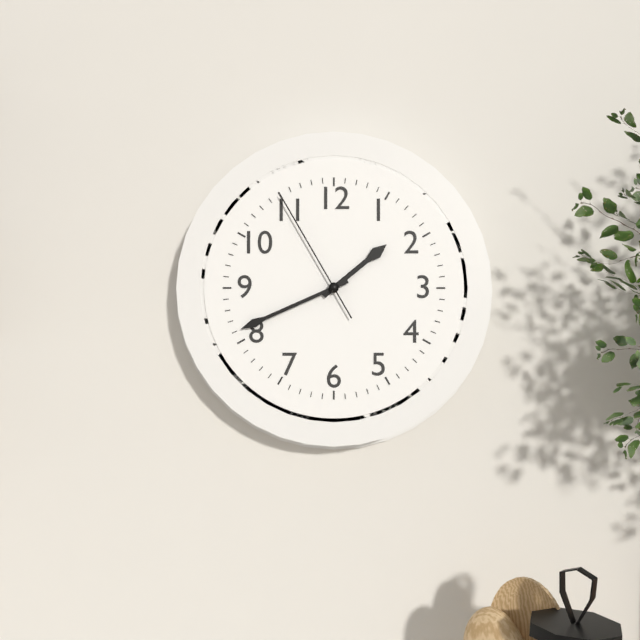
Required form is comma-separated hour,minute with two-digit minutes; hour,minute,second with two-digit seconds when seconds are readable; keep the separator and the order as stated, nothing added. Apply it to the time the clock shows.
1,41,55
